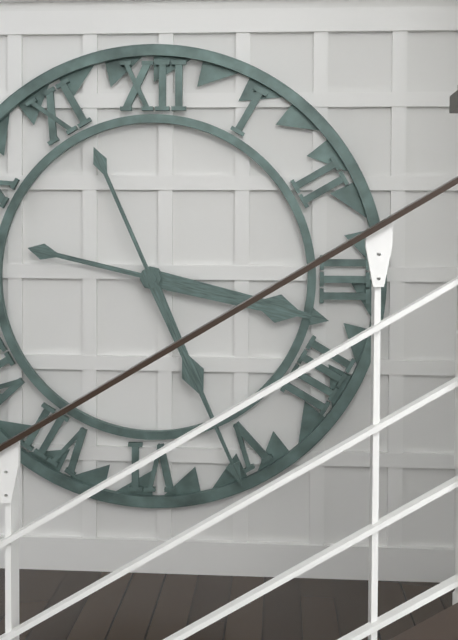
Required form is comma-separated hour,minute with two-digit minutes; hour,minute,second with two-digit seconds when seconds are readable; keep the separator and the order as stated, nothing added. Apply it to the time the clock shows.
3,26
